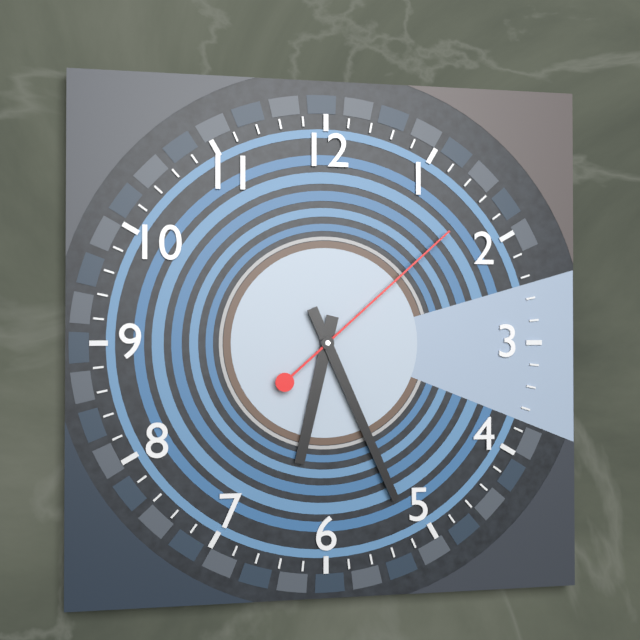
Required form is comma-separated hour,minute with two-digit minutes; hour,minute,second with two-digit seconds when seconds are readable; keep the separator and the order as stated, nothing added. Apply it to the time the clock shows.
6,26,08
